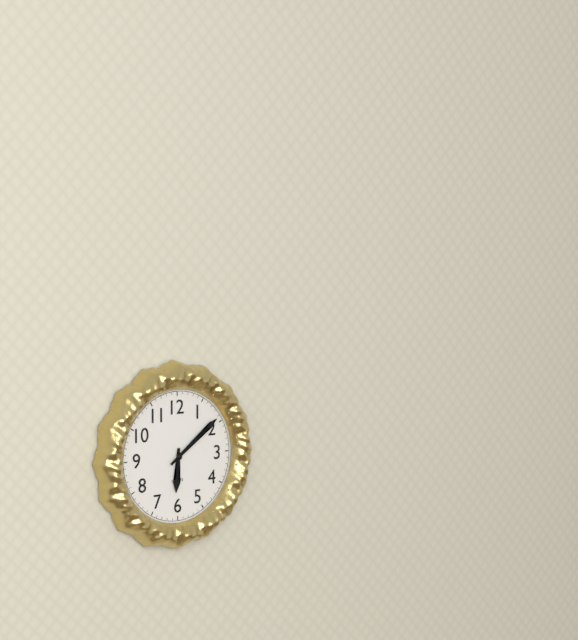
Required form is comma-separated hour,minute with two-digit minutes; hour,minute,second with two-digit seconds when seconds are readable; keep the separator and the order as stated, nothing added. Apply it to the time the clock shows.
6,09
